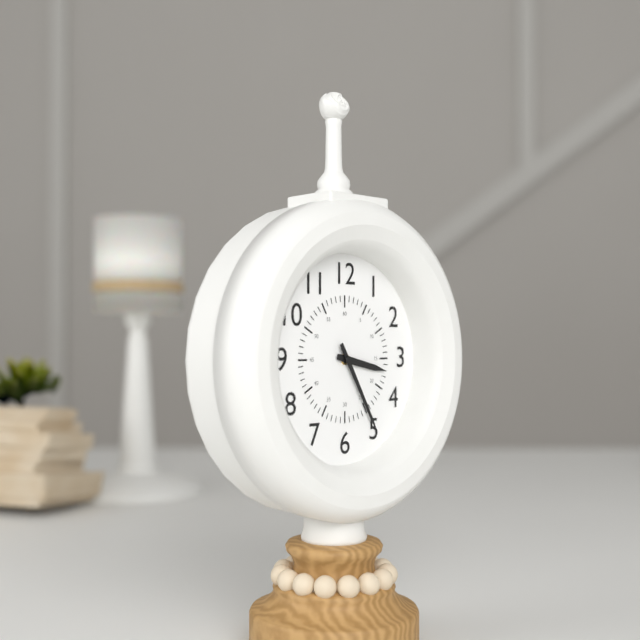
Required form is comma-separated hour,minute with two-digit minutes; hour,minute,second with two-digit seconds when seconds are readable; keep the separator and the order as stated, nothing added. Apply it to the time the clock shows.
3,25
